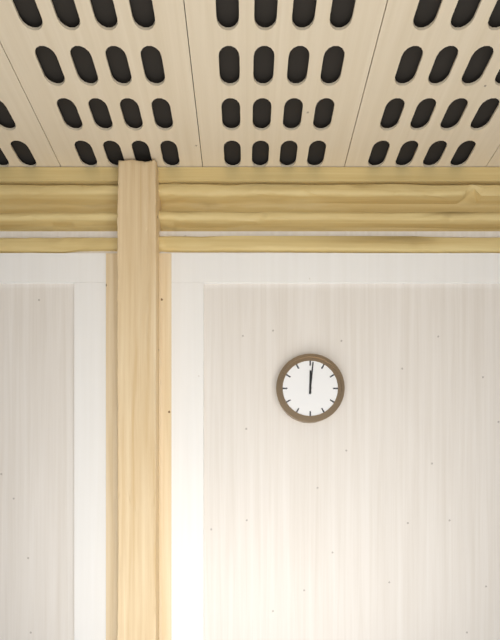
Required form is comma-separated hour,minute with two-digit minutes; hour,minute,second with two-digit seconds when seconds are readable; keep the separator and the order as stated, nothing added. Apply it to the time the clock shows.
12,01
